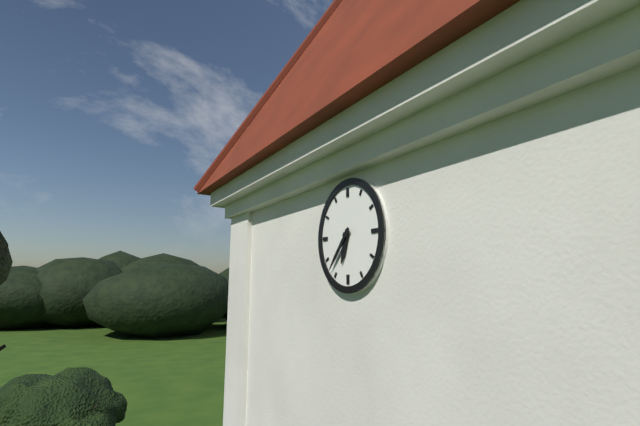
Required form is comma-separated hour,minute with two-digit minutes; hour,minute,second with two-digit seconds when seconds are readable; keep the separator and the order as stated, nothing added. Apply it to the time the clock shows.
6,37
